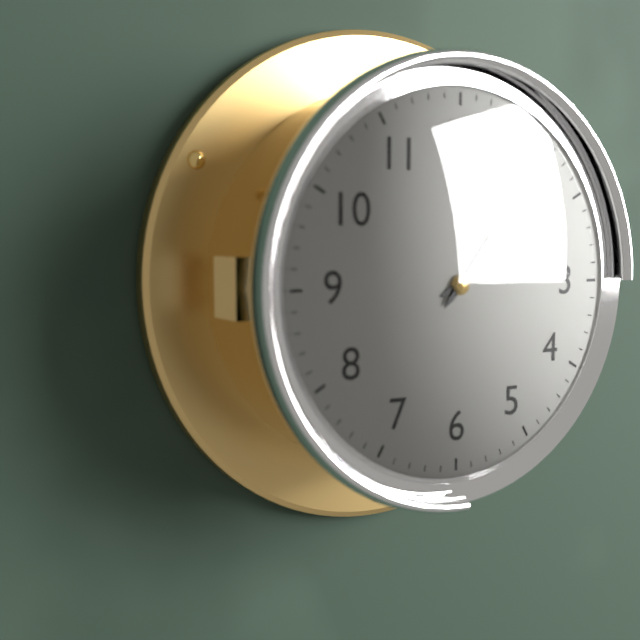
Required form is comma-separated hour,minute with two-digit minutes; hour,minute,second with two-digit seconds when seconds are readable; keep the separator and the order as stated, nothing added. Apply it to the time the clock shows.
2,07
